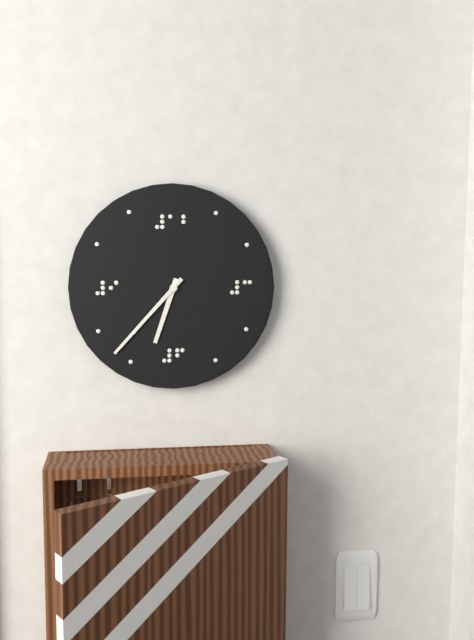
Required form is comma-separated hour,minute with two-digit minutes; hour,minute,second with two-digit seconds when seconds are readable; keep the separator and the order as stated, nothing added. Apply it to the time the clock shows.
6,37
